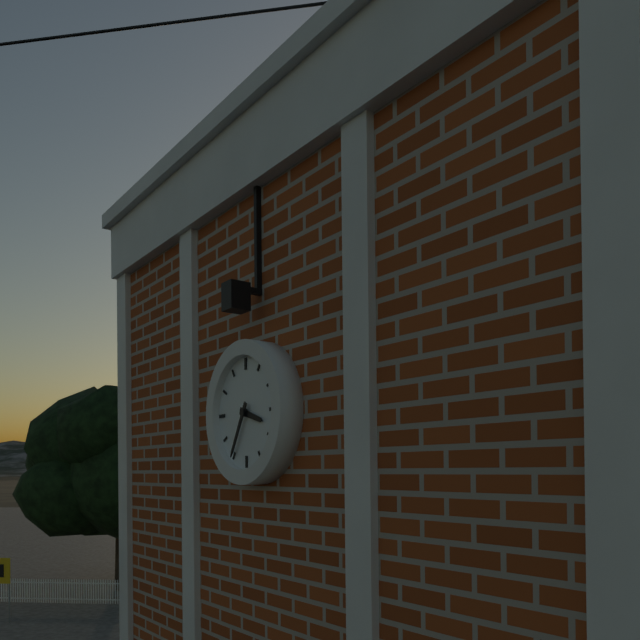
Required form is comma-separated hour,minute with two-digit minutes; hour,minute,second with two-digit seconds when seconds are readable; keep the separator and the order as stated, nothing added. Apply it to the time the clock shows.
3,35
